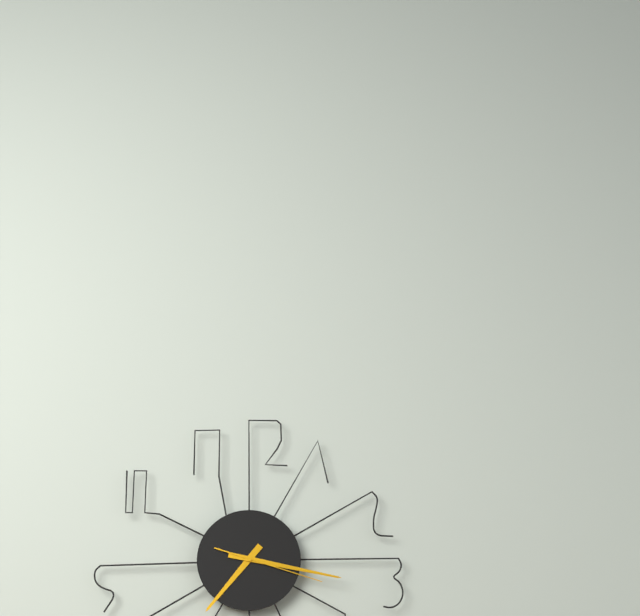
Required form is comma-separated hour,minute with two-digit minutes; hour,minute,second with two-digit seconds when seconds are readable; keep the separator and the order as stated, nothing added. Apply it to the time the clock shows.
7,17,18
